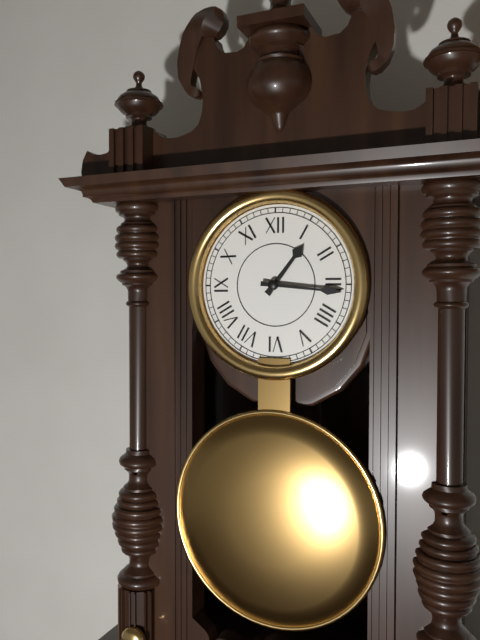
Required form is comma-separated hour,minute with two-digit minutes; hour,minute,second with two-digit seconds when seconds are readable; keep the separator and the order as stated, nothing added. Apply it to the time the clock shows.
1,16
